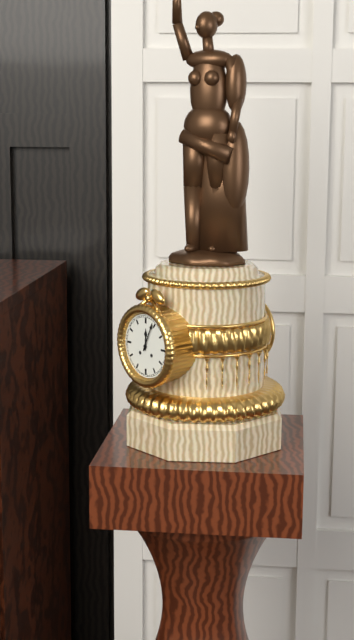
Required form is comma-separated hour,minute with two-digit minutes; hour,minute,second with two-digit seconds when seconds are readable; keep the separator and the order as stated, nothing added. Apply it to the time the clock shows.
12,04
